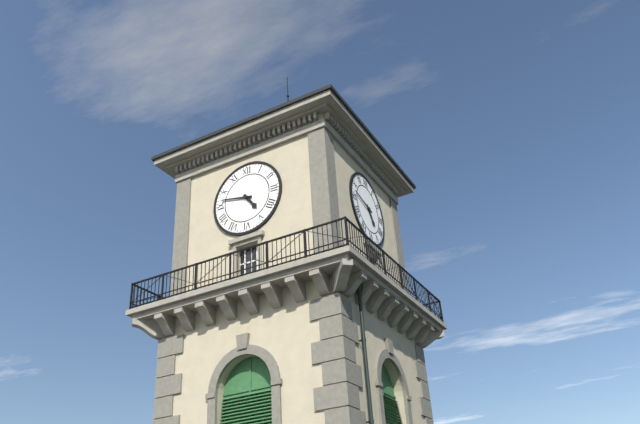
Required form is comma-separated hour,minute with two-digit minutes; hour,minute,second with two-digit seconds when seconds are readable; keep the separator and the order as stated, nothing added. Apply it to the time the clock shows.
4,47
